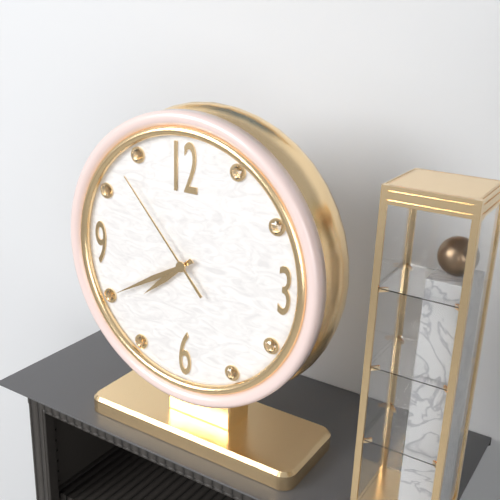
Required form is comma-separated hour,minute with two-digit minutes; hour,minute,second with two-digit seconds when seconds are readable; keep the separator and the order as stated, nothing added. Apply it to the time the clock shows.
7,40,53
